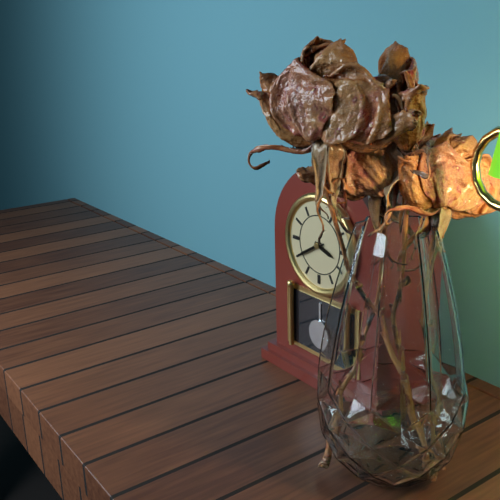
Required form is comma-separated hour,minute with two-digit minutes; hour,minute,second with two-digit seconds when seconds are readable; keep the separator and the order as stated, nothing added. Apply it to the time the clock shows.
3,40
